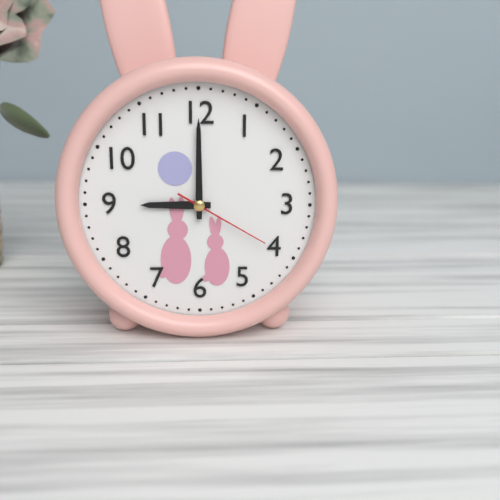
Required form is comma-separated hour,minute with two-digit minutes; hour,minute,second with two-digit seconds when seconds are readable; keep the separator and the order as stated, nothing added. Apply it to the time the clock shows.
9,00,20
